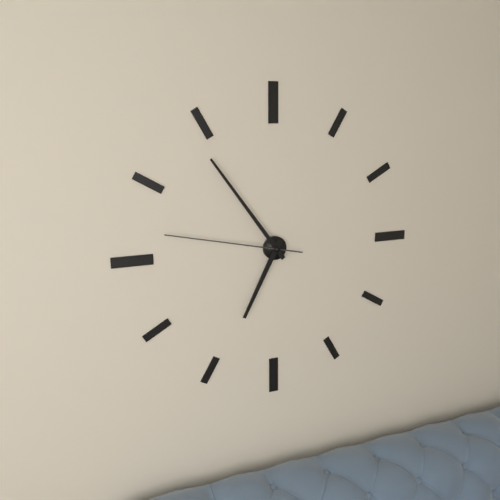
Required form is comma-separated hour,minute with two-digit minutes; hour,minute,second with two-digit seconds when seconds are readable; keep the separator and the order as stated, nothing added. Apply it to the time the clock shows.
6,54,47
